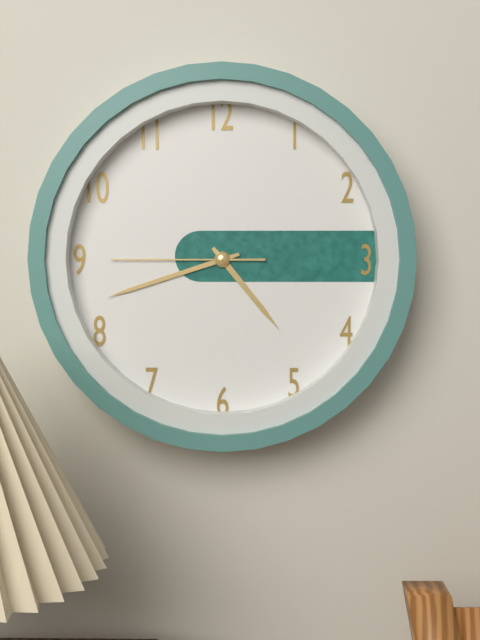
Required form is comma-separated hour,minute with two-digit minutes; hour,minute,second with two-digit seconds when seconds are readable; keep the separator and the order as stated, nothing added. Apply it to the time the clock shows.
4,42,45
